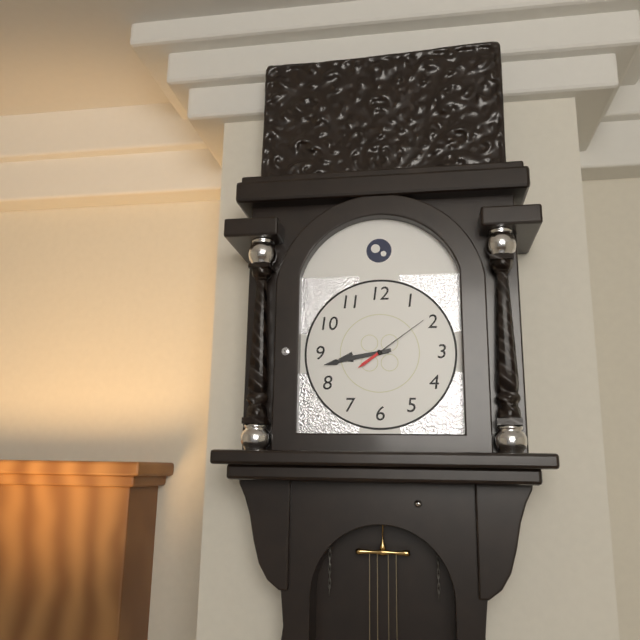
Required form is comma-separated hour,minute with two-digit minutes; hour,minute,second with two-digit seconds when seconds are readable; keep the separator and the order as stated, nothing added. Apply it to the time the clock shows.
8,43,09
